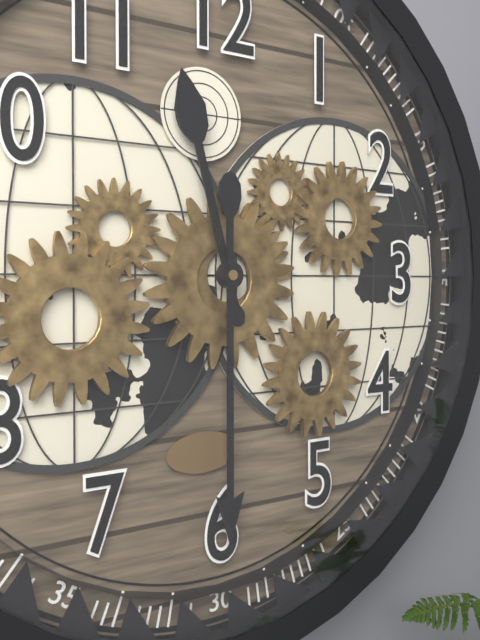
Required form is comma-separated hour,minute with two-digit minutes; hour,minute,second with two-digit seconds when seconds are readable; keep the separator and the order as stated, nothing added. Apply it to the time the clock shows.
11,30
